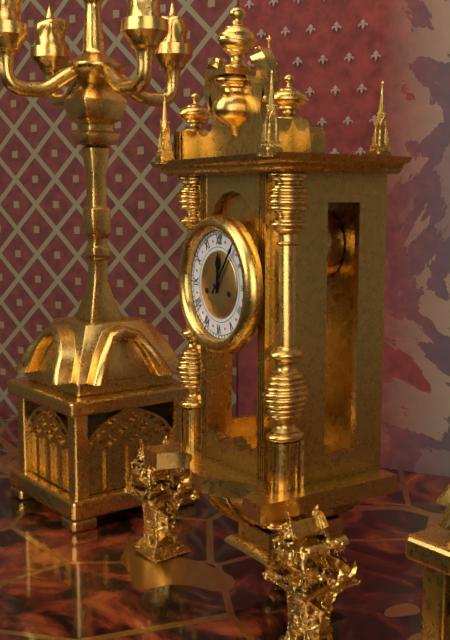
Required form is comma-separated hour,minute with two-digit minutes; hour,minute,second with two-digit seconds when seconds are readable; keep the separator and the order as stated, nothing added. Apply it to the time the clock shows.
12,06
